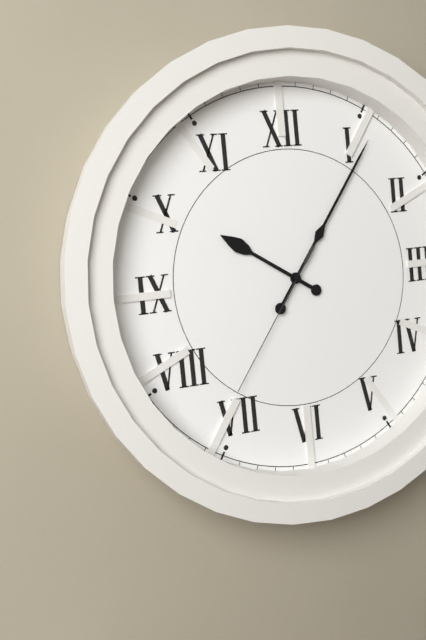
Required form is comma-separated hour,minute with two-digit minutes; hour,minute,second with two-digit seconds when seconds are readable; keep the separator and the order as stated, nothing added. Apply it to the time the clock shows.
10,06,36
